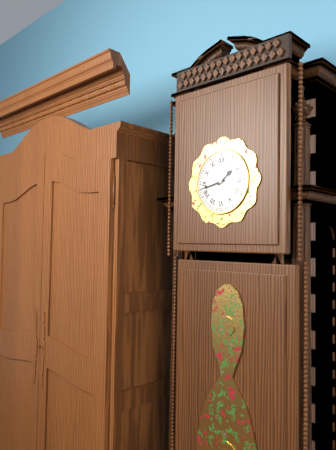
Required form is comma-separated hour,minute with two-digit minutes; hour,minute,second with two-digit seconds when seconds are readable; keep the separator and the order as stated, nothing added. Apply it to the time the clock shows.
1,43
